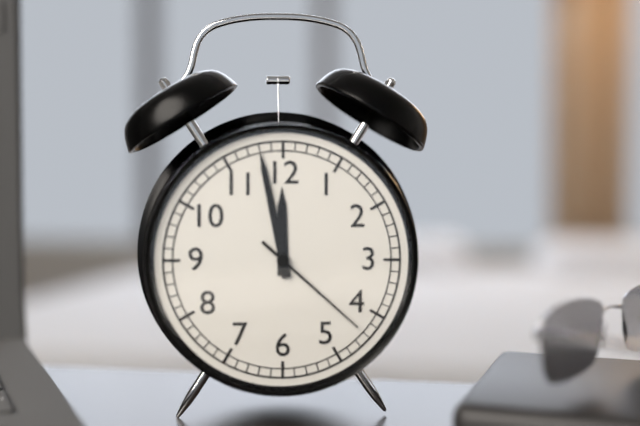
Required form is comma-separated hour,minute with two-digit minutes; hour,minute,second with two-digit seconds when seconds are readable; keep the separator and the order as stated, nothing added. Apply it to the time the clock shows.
11,58,22
